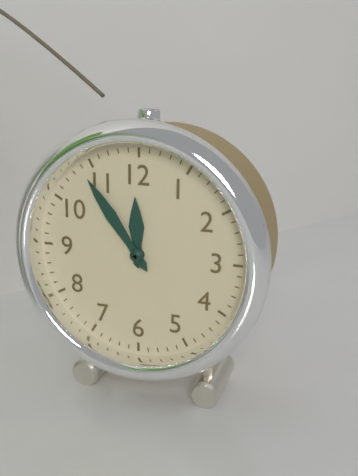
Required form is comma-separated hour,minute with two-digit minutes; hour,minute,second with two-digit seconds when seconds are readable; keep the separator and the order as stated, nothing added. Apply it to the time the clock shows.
11,54
